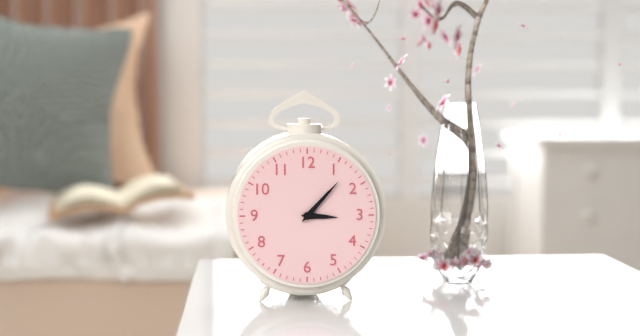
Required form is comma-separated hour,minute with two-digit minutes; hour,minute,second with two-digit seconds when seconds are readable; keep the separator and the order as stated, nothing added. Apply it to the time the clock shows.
3,07
